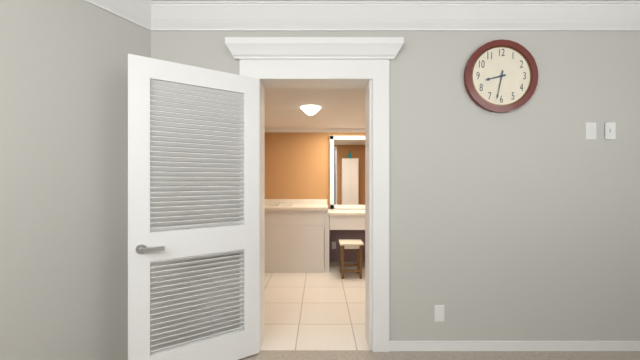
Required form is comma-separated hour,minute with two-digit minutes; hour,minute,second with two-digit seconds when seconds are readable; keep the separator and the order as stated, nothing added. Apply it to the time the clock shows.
8,32
